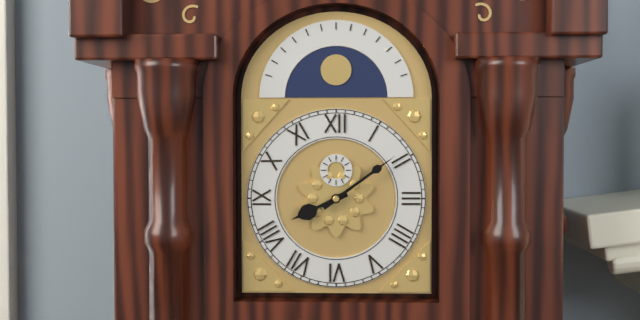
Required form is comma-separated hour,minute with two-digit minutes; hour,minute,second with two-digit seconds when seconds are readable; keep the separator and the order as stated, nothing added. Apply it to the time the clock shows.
8,09
